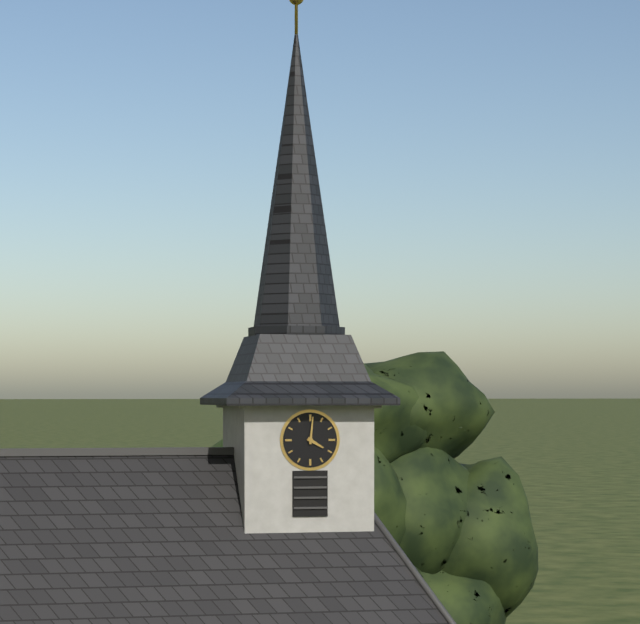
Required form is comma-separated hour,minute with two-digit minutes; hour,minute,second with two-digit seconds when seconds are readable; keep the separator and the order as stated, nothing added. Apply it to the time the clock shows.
4,01
